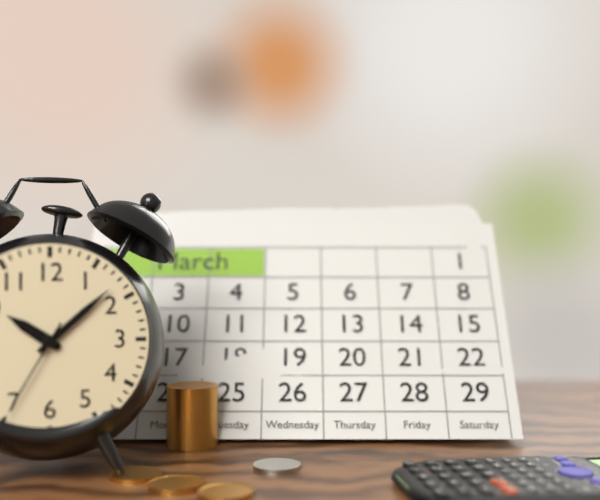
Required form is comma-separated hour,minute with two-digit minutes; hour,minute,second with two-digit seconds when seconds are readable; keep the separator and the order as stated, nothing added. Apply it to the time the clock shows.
10,08,35
